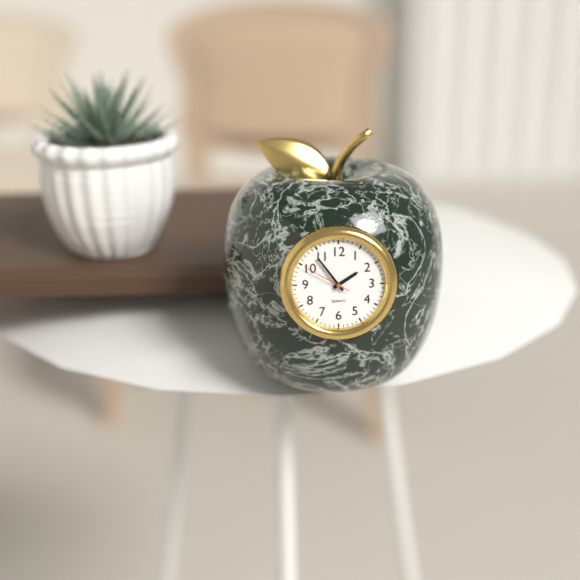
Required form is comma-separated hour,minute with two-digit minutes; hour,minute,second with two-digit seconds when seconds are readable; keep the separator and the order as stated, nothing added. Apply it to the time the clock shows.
1,54
